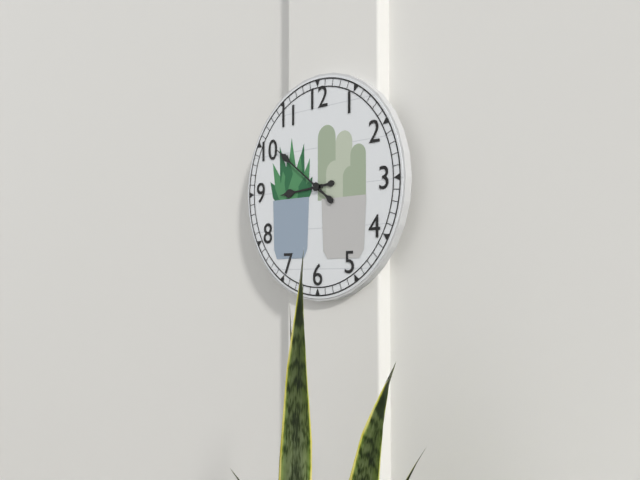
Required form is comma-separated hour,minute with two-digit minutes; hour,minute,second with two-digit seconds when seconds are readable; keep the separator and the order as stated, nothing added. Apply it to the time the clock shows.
8,51
